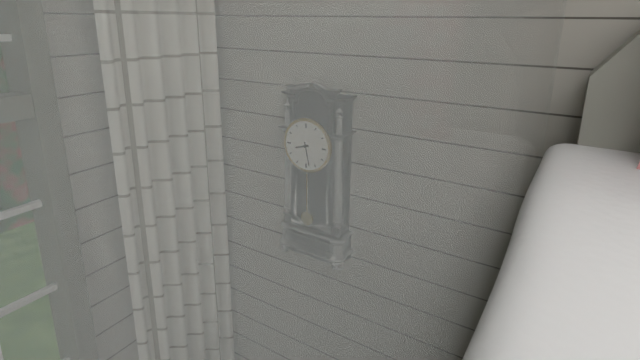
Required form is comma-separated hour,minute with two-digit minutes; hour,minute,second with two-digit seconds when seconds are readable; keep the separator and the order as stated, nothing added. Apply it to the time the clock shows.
8,28
